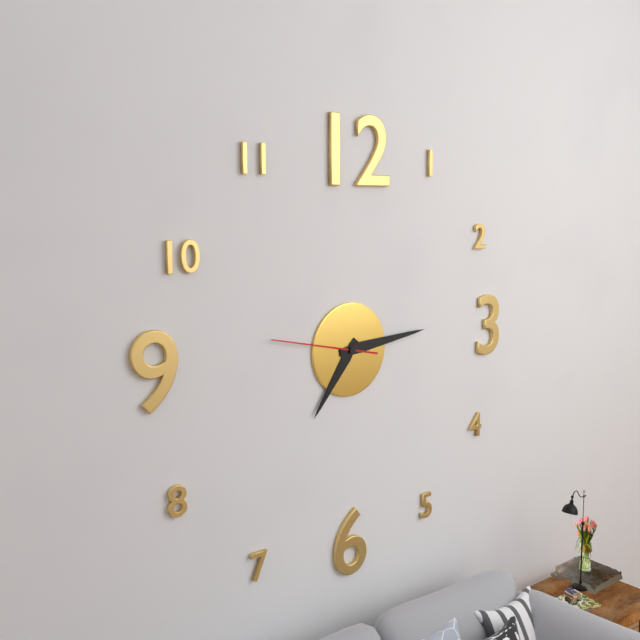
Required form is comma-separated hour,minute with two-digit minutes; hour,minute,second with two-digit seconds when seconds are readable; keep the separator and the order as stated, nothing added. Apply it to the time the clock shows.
7,14,47
